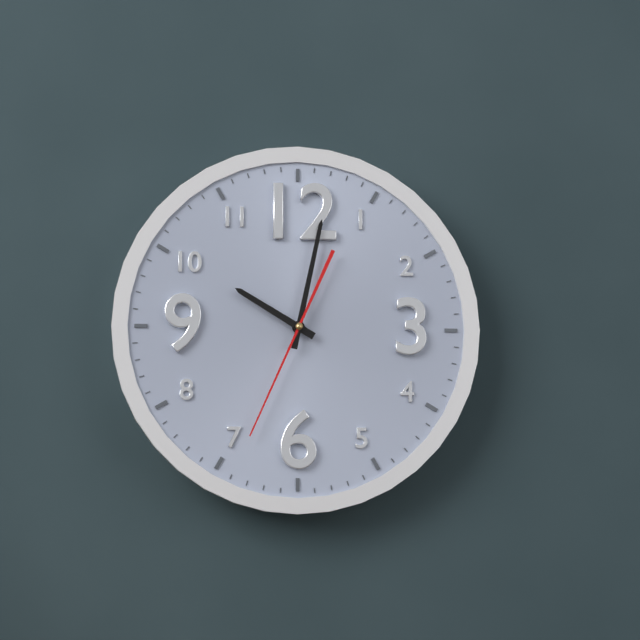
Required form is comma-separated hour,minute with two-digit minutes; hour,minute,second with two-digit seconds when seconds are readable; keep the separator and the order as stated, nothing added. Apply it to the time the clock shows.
10,02,34
